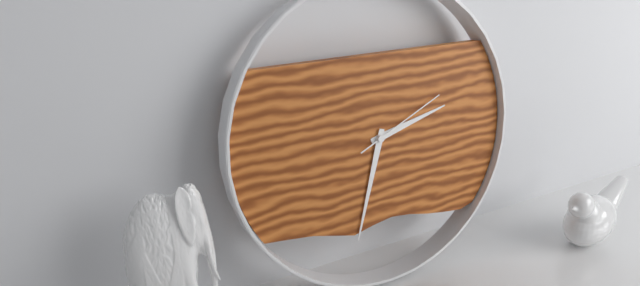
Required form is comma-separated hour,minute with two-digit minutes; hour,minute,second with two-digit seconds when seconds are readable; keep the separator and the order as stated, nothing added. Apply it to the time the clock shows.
2,33,11
